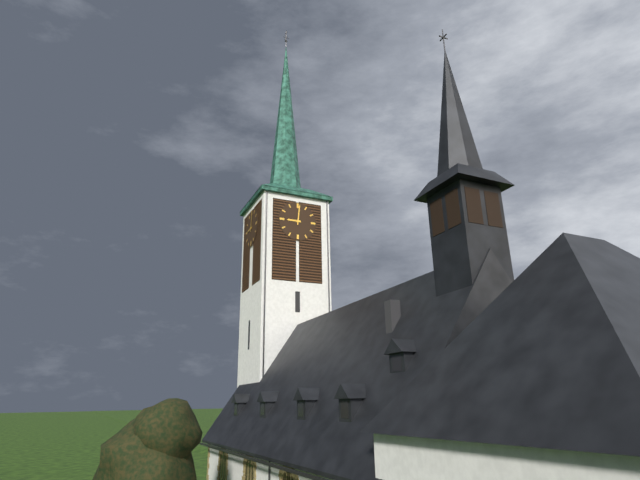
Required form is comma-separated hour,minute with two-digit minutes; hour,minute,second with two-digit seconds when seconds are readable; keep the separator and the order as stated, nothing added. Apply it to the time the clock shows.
9,01
